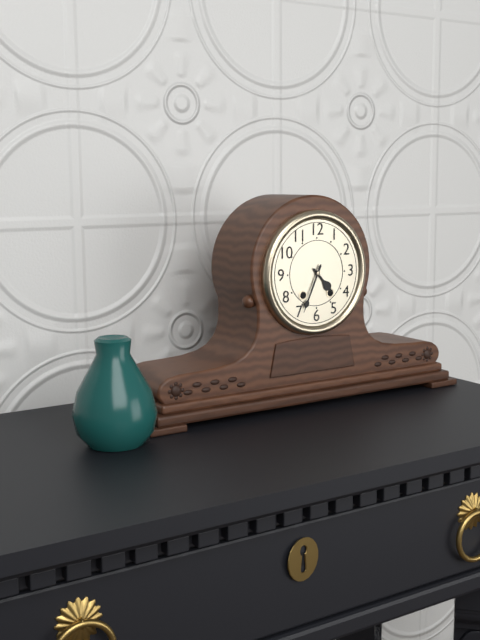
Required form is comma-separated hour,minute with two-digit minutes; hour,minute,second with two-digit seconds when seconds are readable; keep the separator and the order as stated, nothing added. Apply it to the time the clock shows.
4,34
